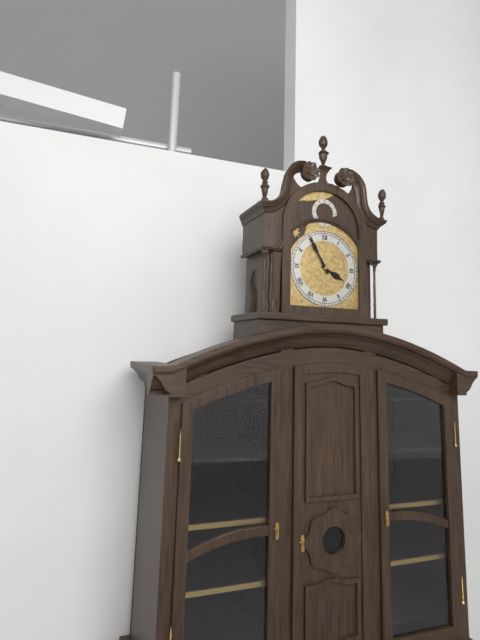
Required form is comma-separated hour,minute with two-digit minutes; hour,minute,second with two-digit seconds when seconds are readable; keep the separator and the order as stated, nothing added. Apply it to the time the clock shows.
3,55
